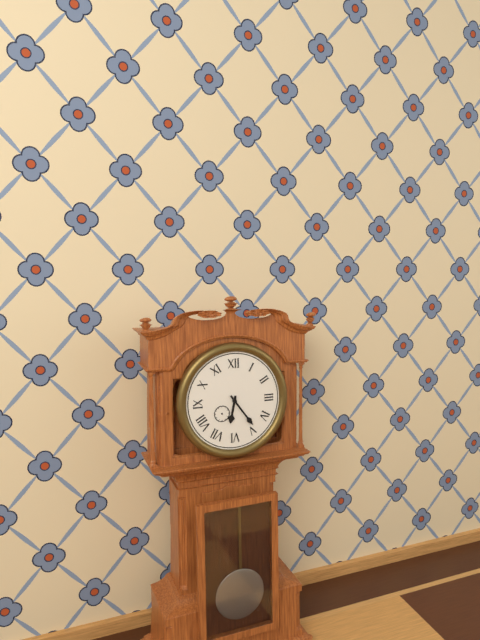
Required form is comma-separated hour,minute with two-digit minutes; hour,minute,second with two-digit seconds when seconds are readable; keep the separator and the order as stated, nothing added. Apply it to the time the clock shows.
6,24
